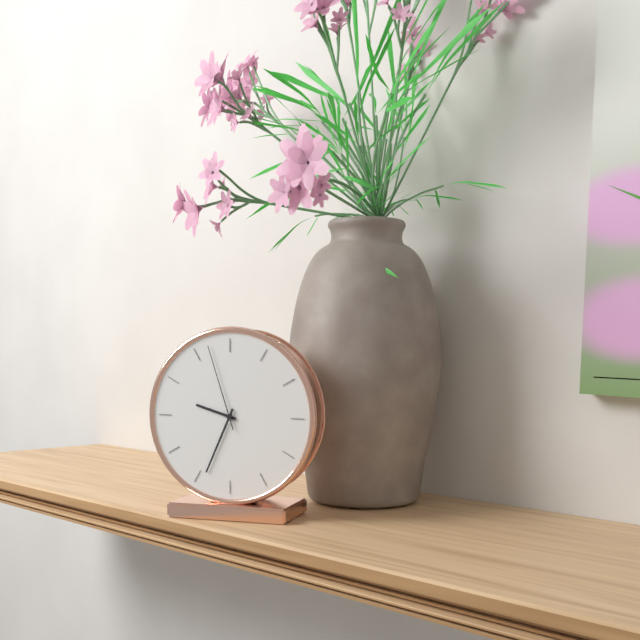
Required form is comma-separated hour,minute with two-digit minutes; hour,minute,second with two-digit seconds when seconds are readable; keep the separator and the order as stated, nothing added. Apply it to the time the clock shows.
9,34,57
